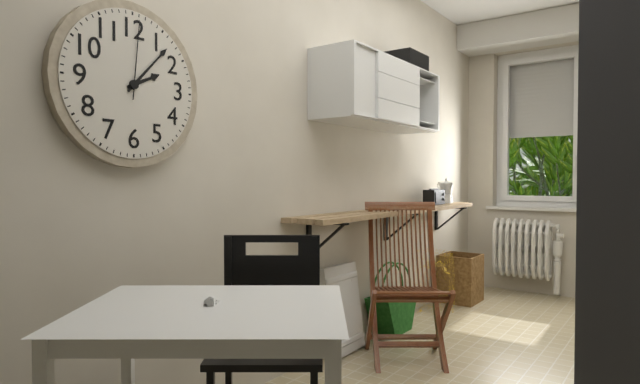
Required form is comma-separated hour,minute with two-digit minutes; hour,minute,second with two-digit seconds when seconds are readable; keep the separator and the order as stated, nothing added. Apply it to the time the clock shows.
2,07,01
